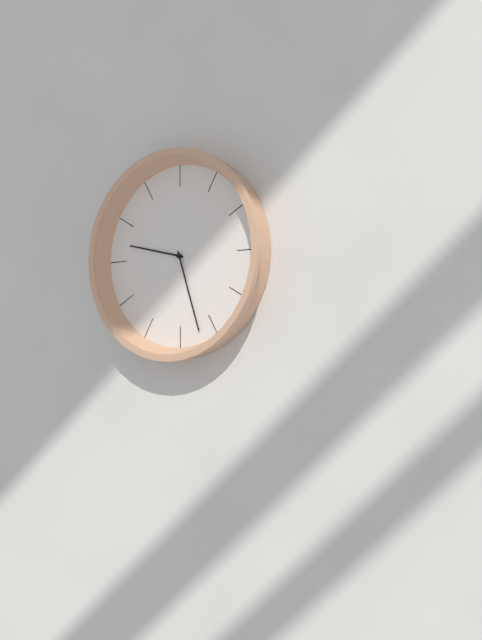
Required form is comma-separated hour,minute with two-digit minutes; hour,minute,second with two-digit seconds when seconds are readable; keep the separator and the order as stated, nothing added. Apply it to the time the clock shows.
9,27
